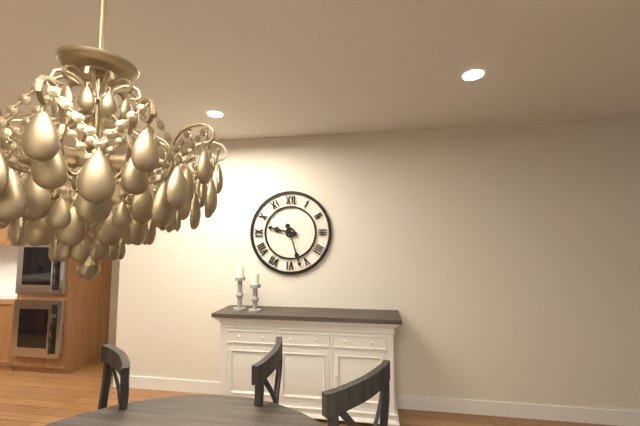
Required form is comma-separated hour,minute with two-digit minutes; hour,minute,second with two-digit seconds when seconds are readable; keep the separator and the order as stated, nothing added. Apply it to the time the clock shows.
9,27
